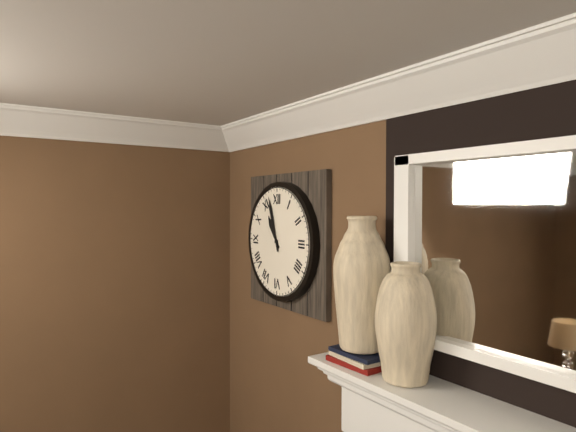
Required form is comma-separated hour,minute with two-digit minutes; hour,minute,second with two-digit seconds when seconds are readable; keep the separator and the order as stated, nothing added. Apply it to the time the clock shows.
10,57
